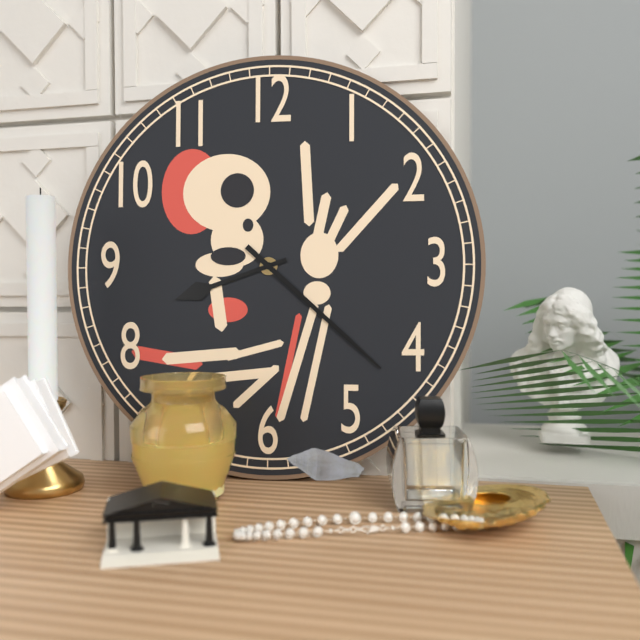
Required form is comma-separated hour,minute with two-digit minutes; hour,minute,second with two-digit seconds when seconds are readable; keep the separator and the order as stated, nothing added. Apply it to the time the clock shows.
8,22
